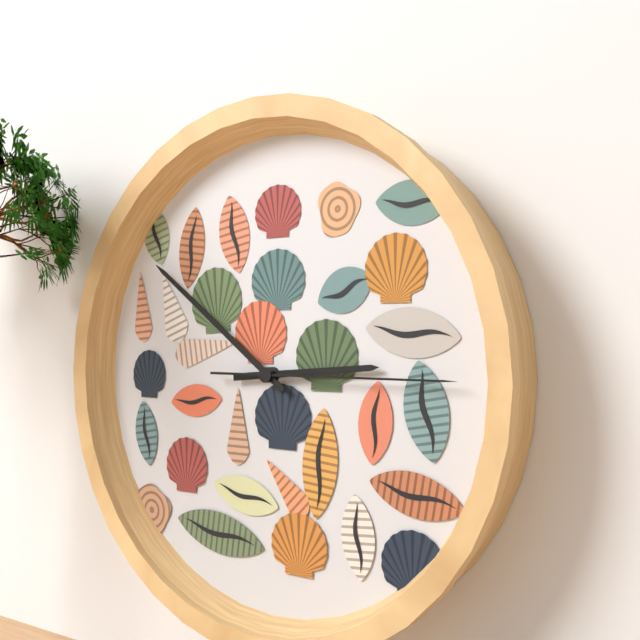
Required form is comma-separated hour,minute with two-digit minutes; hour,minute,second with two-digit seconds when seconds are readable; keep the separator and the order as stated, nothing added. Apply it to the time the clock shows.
2,51,15
